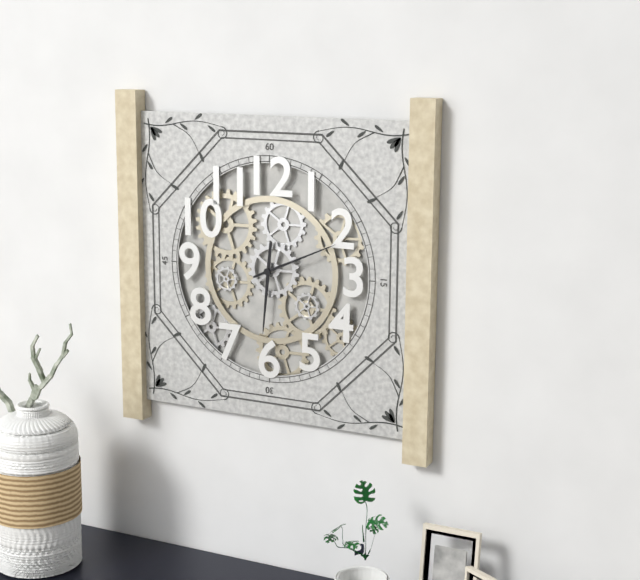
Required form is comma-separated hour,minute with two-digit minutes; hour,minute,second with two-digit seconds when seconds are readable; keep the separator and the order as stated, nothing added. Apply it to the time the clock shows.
6,11
